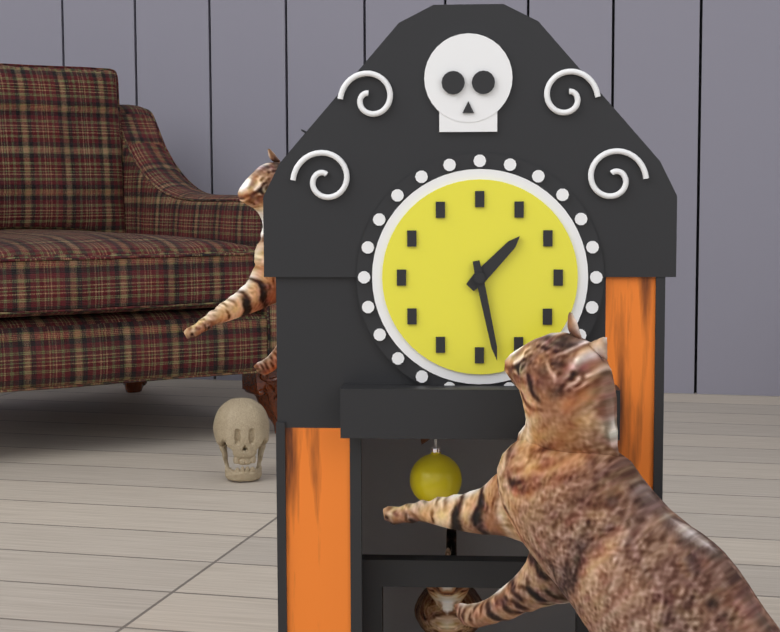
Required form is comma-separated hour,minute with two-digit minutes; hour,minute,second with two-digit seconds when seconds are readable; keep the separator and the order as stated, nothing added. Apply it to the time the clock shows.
1,28
